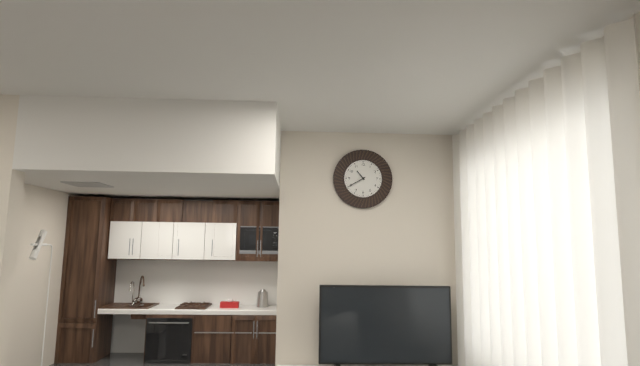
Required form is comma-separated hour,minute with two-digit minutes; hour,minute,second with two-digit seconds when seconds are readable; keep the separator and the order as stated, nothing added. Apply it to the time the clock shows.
10,40
